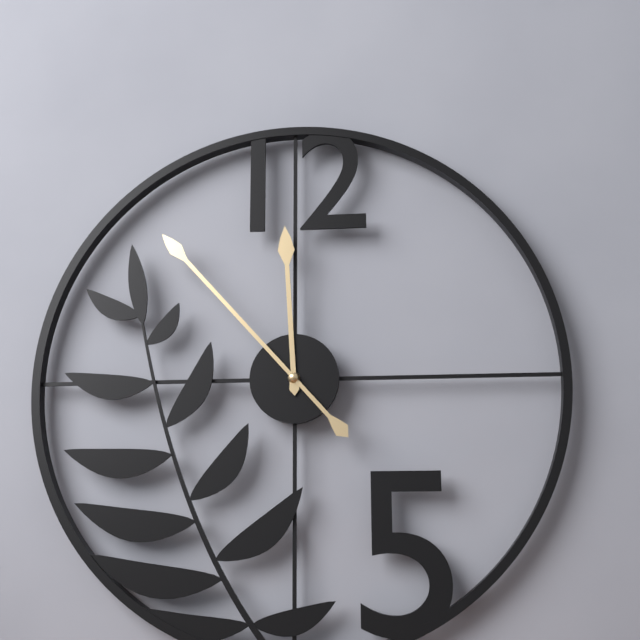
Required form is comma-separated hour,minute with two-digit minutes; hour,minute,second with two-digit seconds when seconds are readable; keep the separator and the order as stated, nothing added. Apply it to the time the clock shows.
11,53
